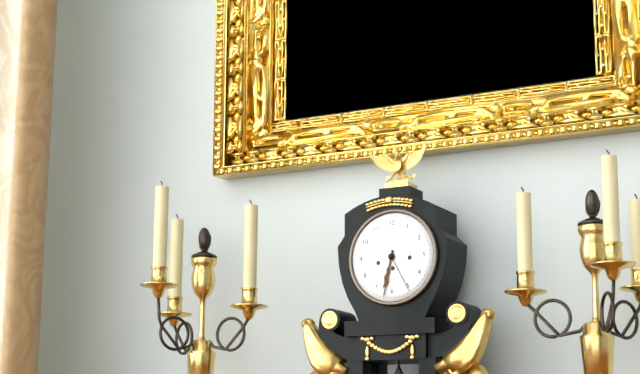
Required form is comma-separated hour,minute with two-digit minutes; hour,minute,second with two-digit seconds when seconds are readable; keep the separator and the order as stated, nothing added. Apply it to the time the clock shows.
6,32
